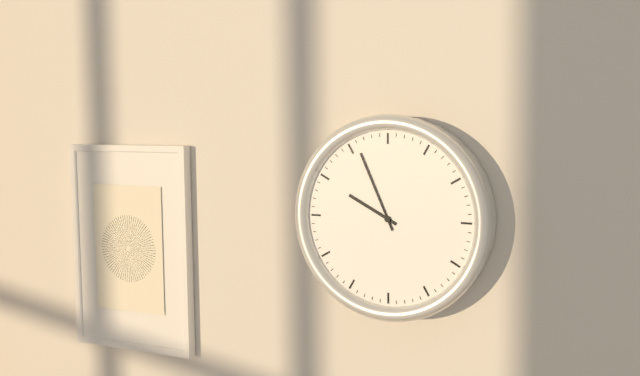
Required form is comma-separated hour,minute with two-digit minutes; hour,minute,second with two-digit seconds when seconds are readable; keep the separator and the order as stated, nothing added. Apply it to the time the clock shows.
9,56
